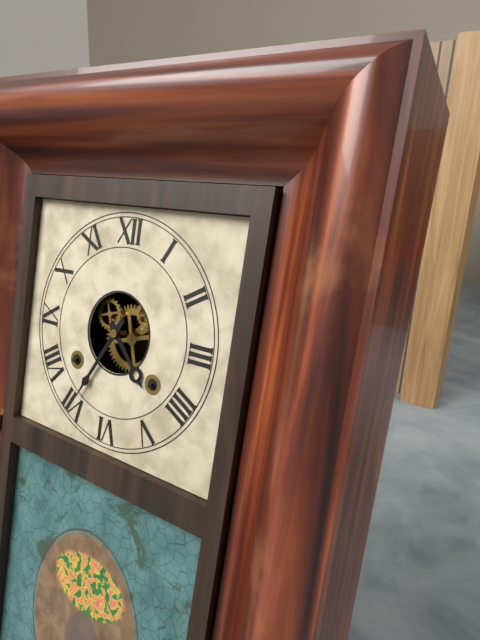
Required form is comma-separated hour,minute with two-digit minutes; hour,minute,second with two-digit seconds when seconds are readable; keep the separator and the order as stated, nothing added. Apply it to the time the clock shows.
4,35
